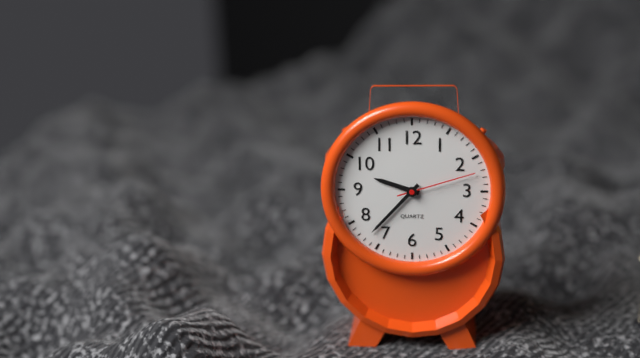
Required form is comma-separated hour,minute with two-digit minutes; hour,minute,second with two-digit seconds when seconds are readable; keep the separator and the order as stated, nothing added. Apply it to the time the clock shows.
9,37,12
